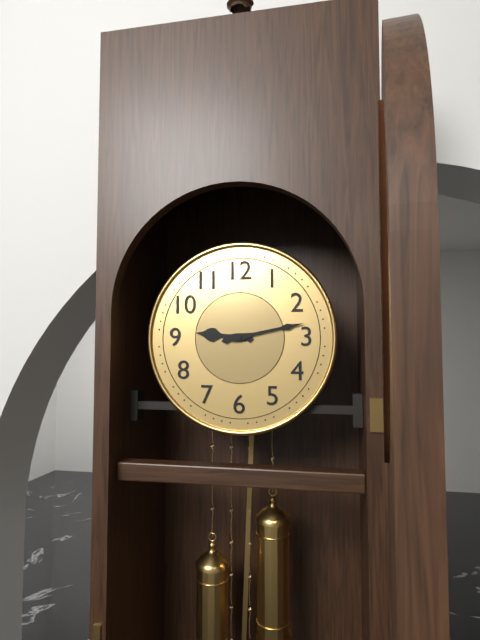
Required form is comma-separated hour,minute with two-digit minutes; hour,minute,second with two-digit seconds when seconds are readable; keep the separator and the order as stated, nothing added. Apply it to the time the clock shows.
9,13
